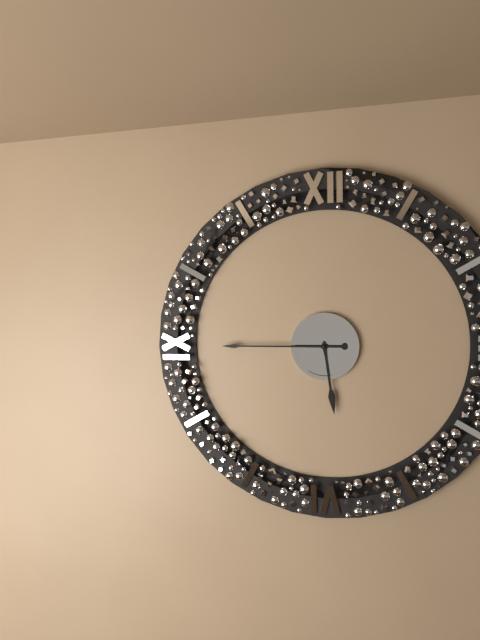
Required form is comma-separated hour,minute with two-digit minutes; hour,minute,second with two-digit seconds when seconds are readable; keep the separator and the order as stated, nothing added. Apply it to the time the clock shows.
5,45
